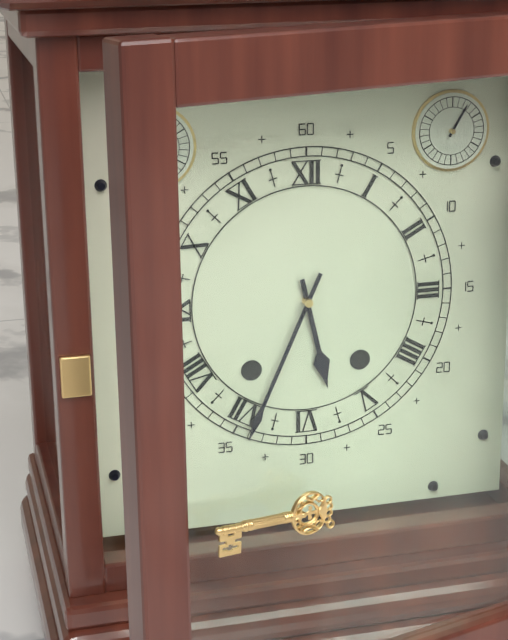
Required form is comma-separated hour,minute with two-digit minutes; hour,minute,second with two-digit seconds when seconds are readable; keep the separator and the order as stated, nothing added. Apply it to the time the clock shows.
5,34
